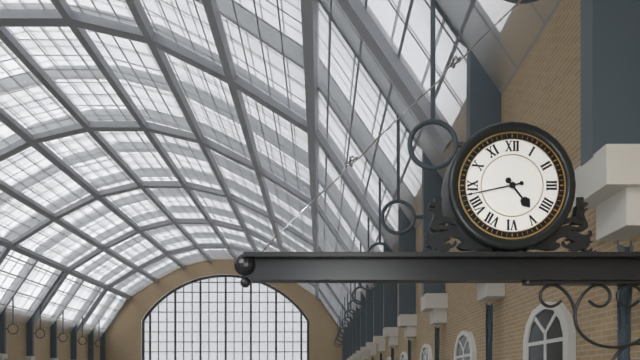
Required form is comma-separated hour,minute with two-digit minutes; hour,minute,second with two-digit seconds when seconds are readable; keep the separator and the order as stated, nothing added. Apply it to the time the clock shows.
4,43
